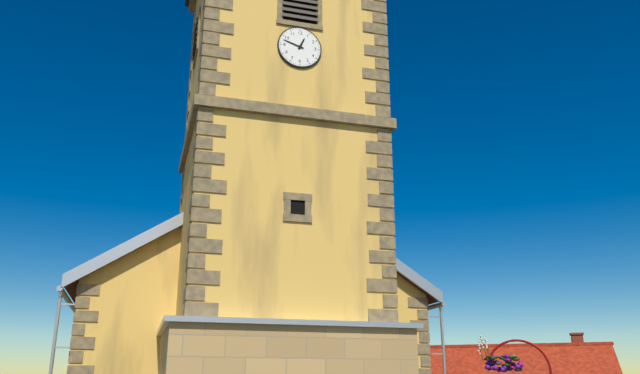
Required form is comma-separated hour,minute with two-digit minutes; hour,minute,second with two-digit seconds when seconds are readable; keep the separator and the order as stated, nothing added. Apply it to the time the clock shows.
12,48
